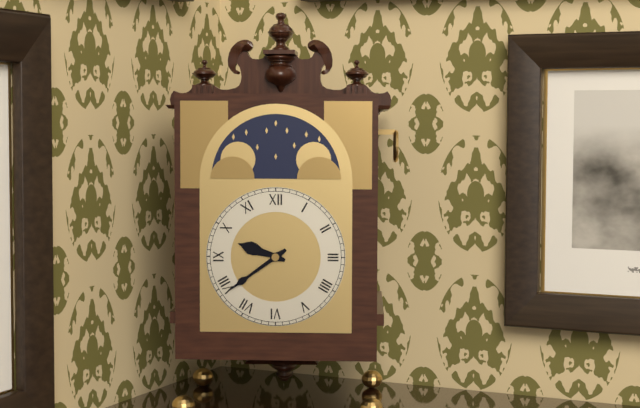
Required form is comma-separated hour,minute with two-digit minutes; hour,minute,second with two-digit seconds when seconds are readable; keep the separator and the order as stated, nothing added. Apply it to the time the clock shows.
9,39
